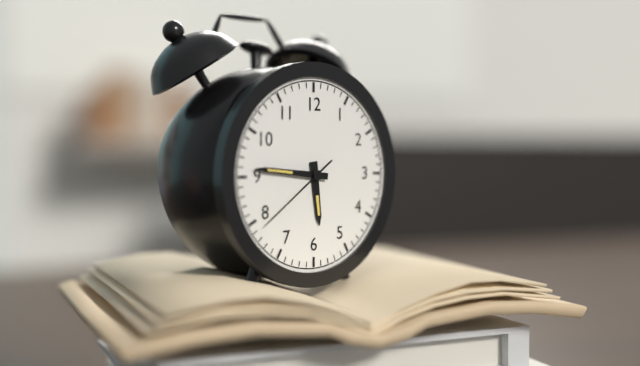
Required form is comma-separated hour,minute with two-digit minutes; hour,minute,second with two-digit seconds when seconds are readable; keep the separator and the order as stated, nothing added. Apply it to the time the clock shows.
5,46,39
